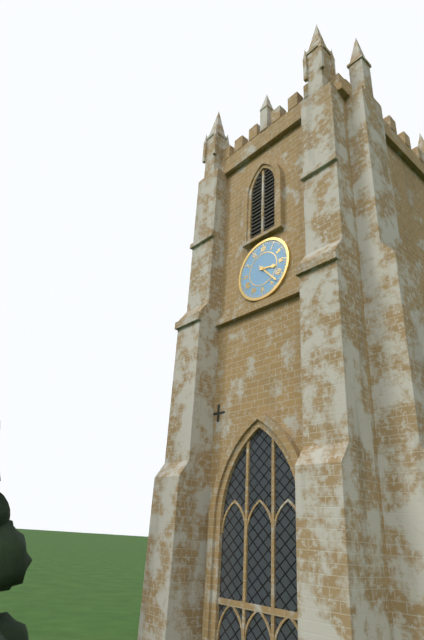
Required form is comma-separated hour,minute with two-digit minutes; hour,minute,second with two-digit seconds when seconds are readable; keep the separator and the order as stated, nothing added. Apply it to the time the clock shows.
3,23
